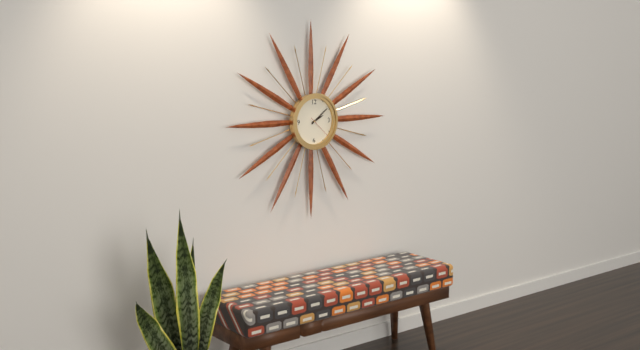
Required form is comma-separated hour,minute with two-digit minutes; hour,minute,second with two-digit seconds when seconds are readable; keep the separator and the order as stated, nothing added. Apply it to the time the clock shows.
2,09
